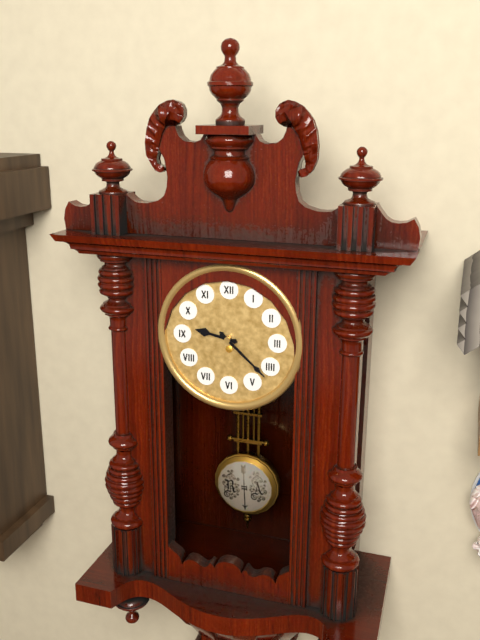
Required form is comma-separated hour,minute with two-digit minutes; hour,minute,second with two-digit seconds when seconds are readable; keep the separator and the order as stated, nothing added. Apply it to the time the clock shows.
9,22
